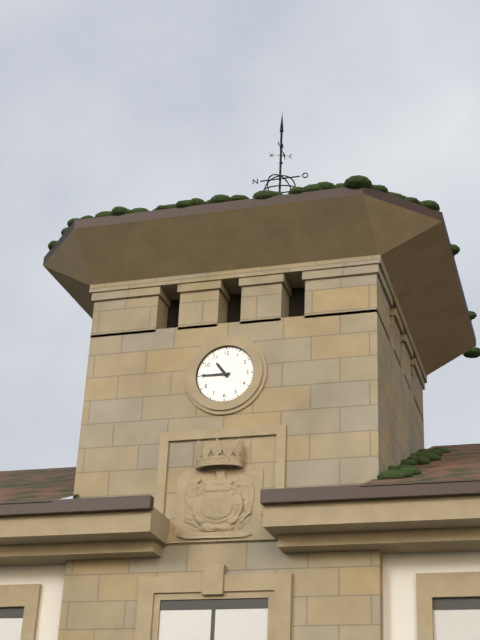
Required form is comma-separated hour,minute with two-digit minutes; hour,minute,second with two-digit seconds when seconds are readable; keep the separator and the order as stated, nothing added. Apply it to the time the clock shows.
10,45
